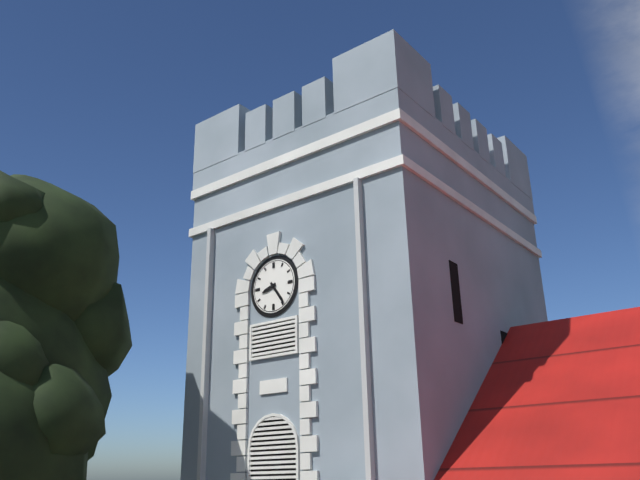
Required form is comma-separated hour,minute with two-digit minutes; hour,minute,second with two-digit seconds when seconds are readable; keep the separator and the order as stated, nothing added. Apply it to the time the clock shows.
8,24
